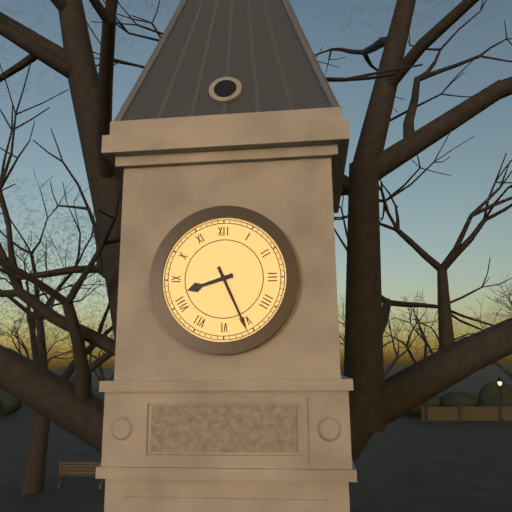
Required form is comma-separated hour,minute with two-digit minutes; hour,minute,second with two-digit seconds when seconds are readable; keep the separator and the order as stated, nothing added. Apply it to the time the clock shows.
8,26
